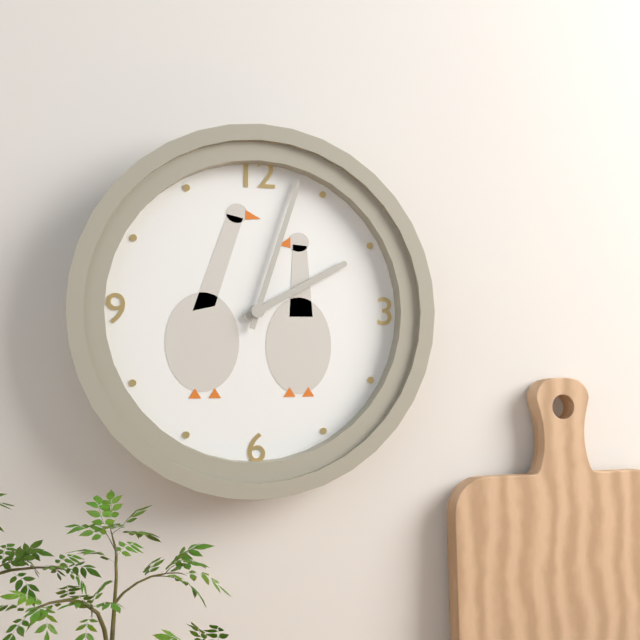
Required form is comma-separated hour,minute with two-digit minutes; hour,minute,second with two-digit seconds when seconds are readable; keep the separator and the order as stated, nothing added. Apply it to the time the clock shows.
2,03
